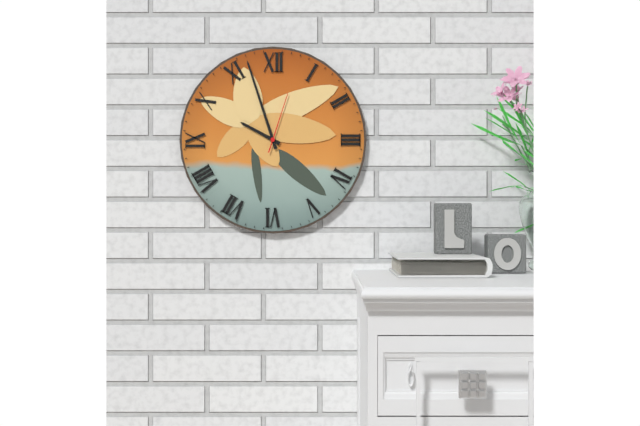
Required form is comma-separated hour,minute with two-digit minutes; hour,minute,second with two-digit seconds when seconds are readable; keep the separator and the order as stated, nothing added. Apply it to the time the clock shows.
9,57,03
